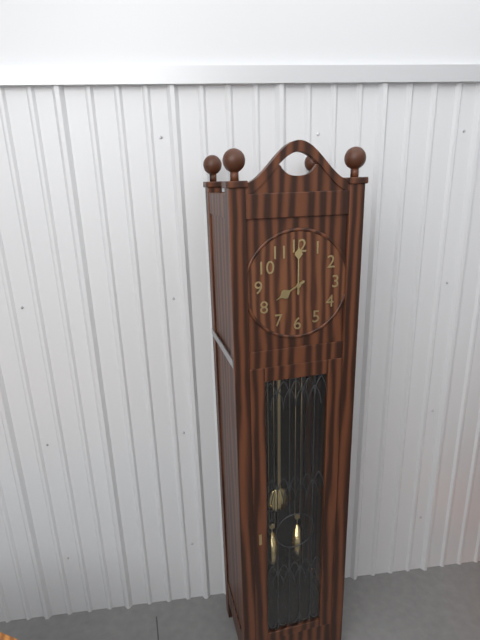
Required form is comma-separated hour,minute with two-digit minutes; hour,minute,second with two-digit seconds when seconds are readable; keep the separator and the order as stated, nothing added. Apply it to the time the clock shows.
8,00
